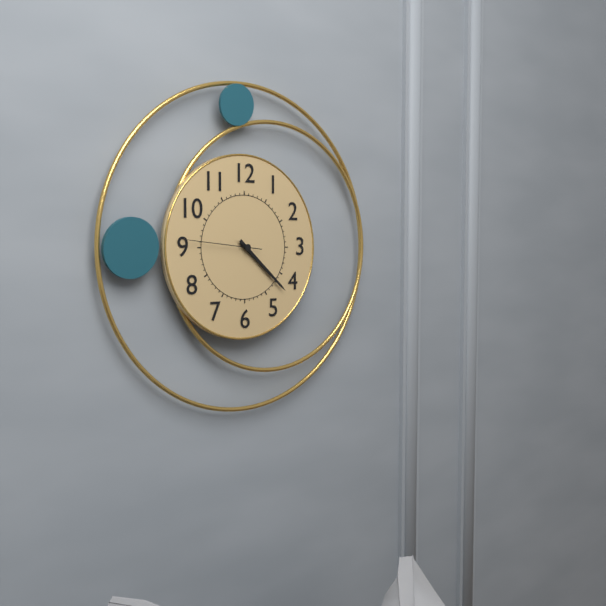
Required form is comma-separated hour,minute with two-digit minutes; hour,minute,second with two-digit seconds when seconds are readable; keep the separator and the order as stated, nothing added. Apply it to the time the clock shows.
4,22,46
